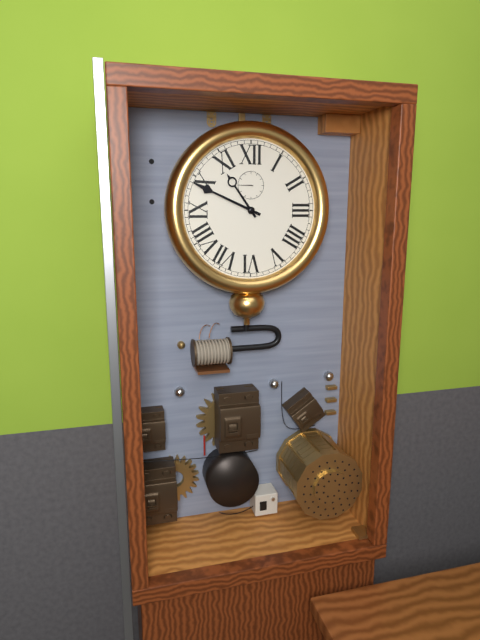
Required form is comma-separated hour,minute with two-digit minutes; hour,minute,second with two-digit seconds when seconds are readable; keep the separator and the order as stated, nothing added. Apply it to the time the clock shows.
10,49
